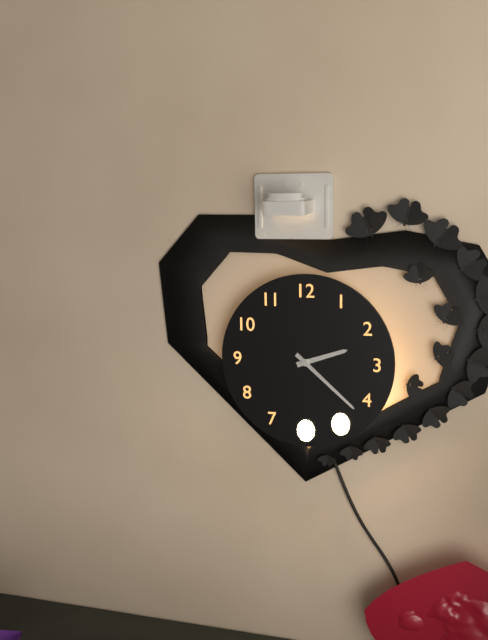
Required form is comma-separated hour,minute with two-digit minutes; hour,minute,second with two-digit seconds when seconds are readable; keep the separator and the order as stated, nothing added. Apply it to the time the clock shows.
2,22
